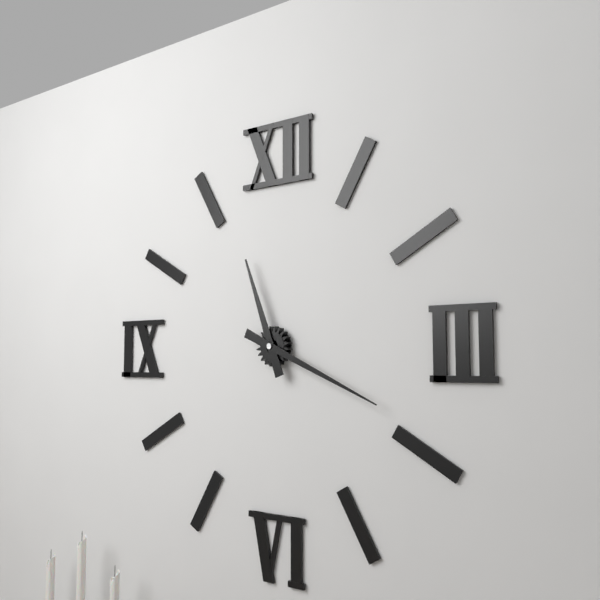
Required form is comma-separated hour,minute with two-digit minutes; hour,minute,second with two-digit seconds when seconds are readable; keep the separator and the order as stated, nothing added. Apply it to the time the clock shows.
11,19
